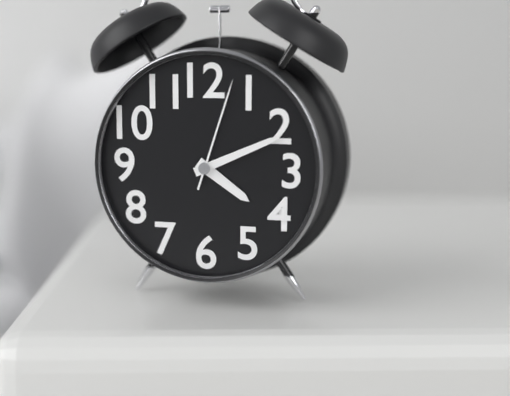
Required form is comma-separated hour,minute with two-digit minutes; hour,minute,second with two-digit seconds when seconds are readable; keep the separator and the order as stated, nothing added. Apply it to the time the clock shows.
4,11,03
